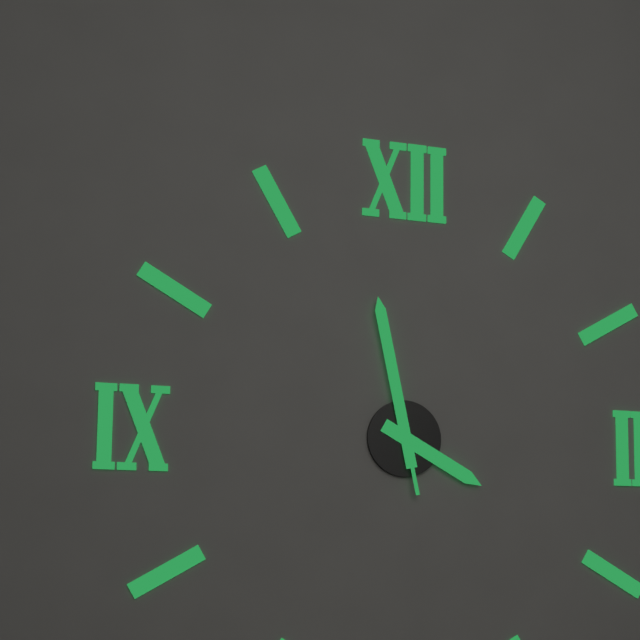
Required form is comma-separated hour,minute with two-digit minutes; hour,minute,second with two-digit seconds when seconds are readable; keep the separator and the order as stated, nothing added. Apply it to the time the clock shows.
3,58,58
